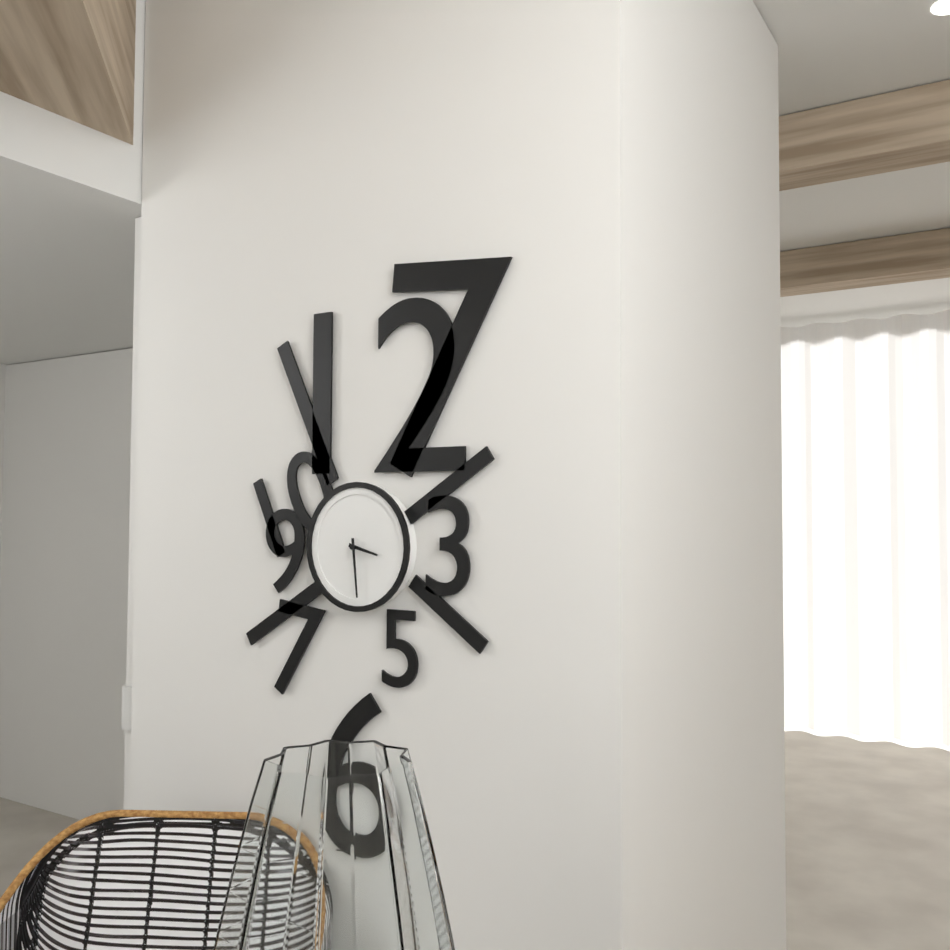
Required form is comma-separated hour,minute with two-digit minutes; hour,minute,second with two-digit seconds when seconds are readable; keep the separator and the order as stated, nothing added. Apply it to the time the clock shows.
3,29
